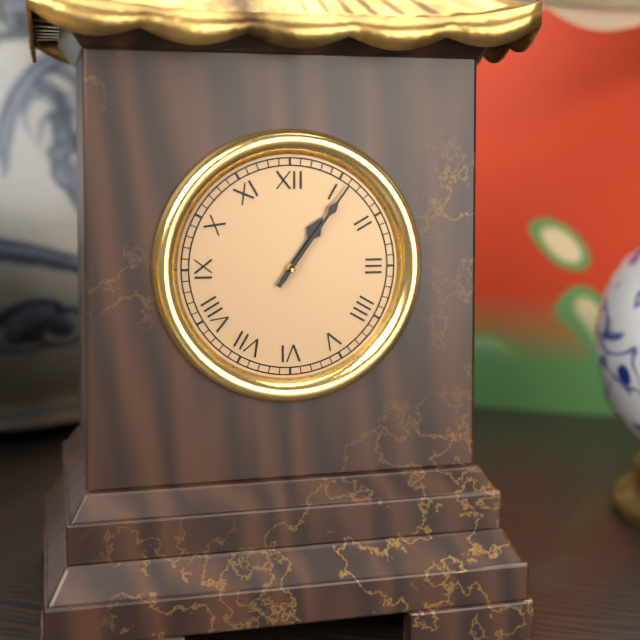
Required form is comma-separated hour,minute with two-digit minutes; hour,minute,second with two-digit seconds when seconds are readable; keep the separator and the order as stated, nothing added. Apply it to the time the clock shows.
1,06
